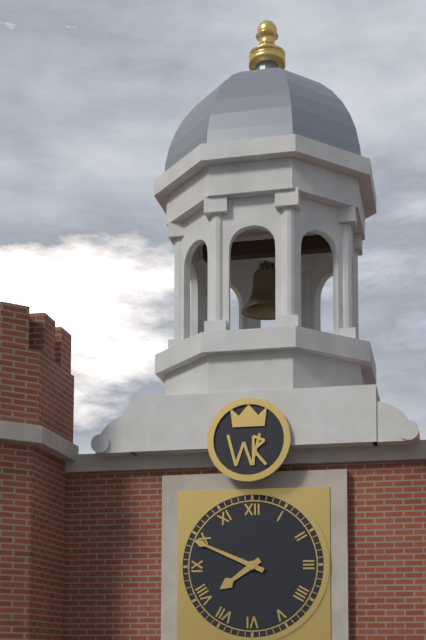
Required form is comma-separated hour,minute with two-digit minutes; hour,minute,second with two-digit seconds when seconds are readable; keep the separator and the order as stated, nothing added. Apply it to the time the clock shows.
7,49
